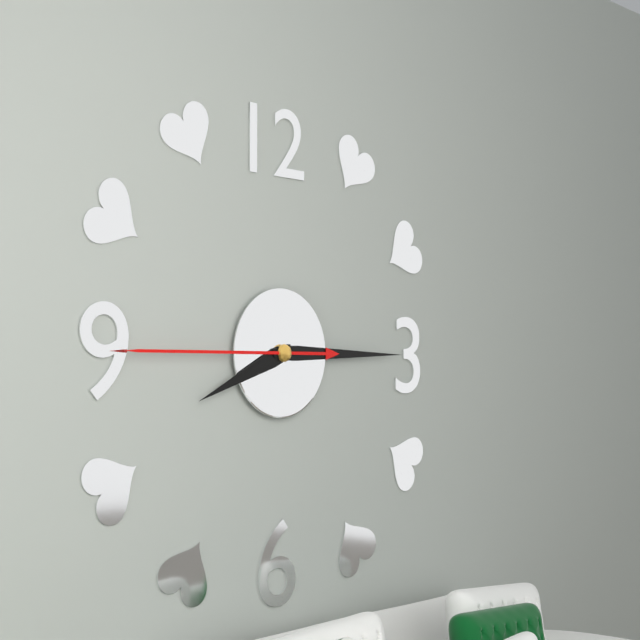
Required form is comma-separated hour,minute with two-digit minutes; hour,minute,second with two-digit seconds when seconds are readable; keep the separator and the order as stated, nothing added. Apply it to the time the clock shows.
8,15,45
